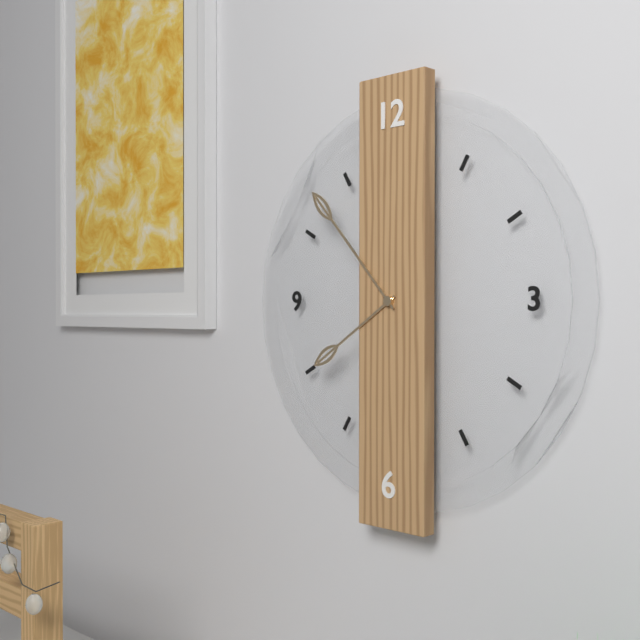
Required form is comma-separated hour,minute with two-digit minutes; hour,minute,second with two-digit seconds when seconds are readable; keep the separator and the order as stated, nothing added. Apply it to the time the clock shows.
7,53
